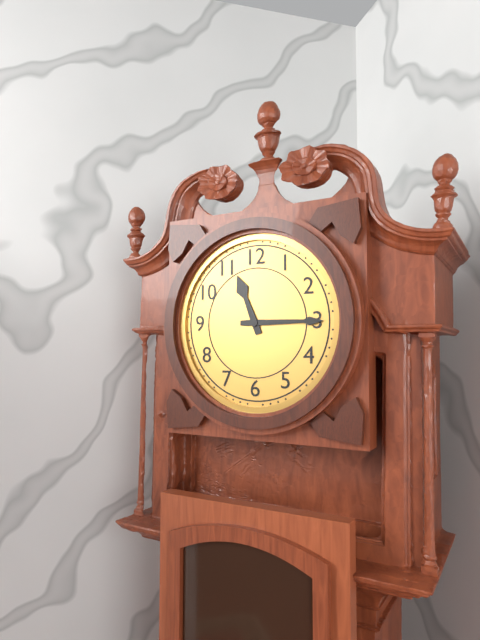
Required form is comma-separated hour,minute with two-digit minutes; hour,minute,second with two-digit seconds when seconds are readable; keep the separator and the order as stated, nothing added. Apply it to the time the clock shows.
11,15
